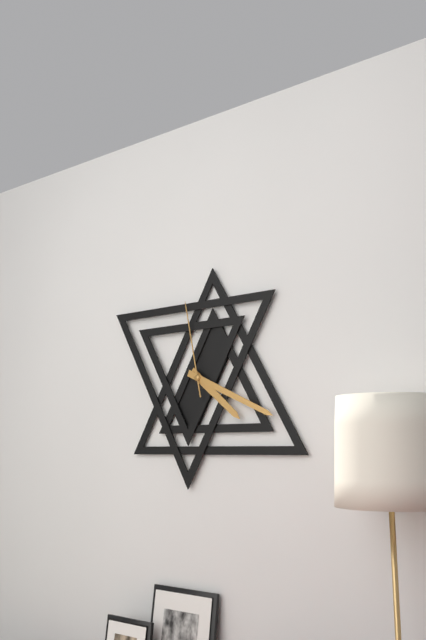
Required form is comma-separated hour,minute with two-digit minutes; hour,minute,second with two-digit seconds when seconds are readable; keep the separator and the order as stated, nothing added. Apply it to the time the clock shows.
4,19,58
